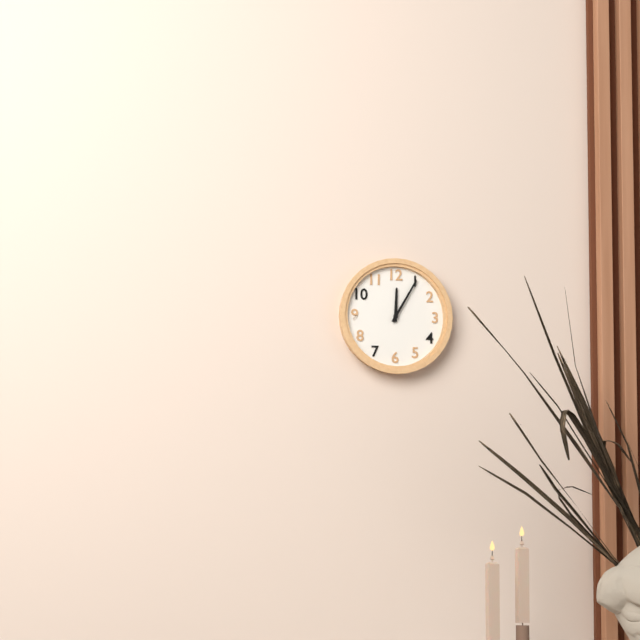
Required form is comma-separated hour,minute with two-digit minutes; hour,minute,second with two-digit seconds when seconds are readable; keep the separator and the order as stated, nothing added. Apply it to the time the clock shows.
12,05
